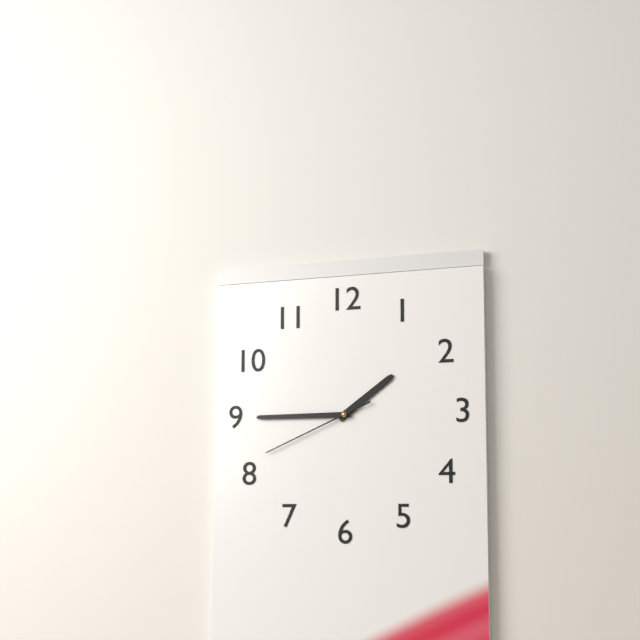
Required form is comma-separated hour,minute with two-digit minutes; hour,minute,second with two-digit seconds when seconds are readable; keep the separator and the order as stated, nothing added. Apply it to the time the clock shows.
1,45,41
